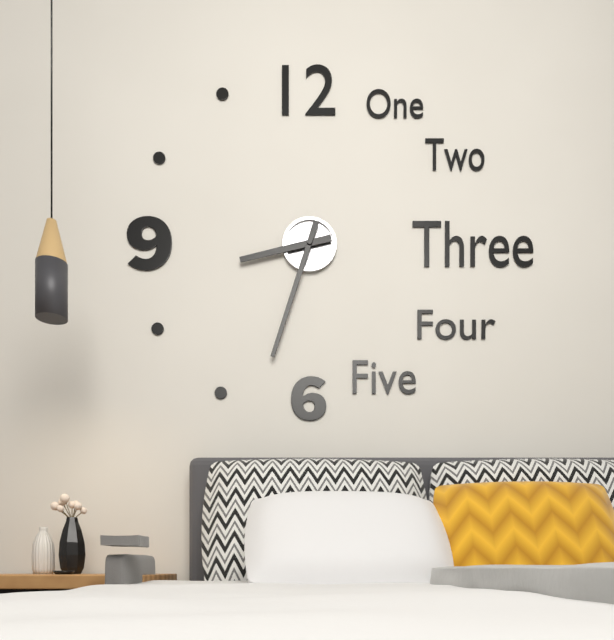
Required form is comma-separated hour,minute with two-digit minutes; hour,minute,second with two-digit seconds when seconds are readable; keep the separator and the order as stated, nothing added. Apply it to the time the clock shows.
8,33
